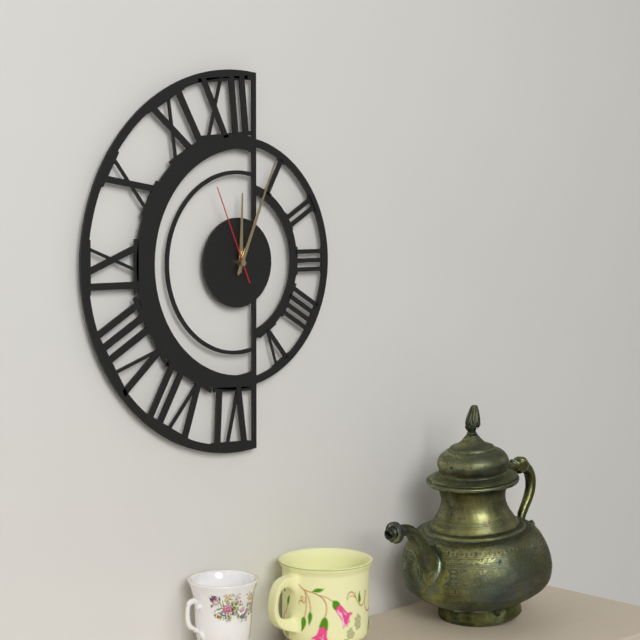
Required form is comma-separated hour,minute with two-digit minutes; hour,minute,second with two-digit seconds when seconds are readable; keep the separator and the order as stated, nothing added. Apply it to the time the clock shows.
12,04,56
